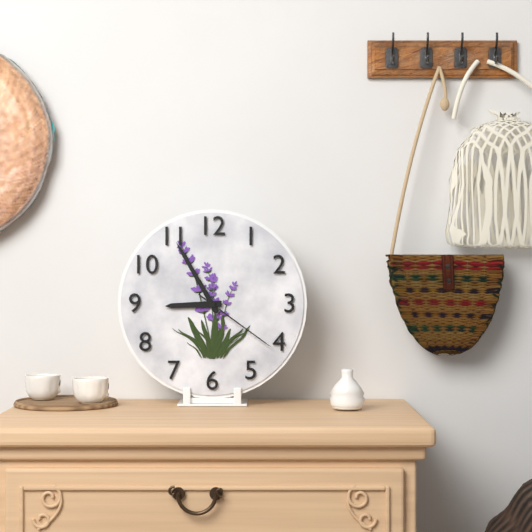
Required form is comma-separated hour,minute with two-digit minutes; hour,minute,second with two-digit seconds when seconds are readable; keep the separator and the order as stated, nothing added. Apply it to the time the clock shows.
8,55,21
